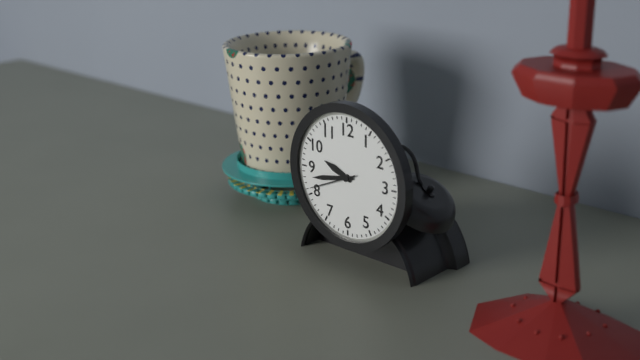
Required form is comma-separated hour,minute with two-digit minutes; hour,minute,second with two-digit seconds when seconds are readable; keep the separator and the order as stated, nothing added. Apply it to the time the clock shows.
9,43,41
